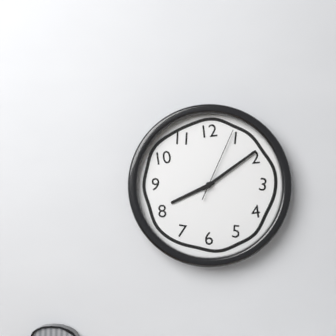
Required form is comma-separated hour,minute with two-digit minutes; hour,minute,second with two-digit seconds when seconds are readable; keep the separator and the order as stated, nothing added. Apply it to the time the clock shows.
8,09,04
